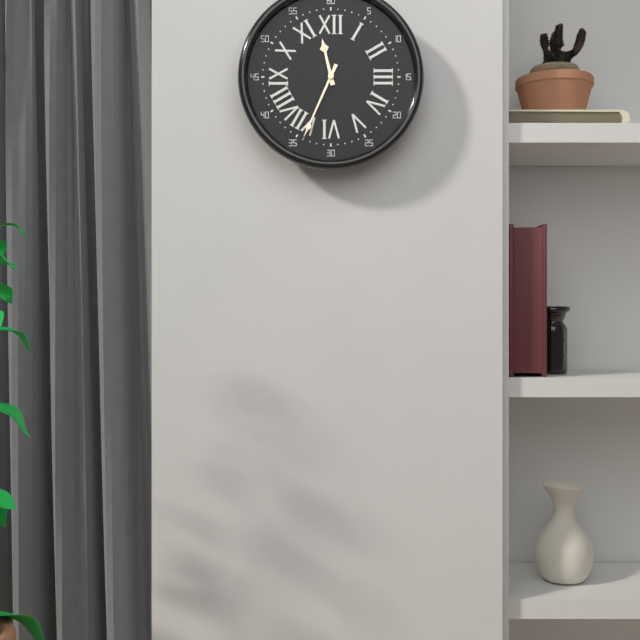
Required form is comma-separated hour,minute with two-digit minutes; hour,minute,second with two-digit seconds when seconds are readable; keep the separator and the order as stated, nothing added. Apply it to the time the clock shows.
11,34
